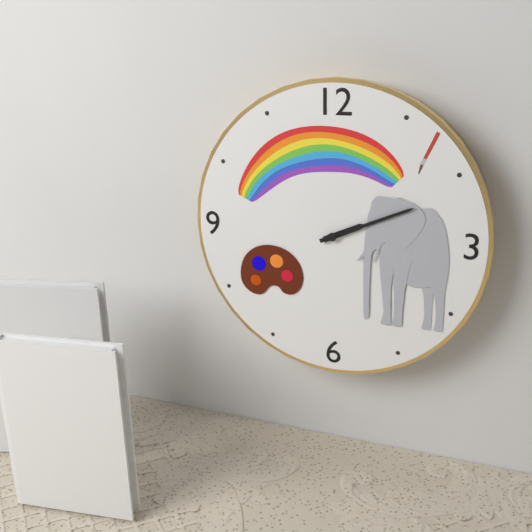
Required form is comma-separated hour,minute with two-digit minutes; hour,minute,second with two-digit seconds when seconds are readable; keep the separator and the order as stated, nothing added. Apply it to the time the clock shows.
2,11
